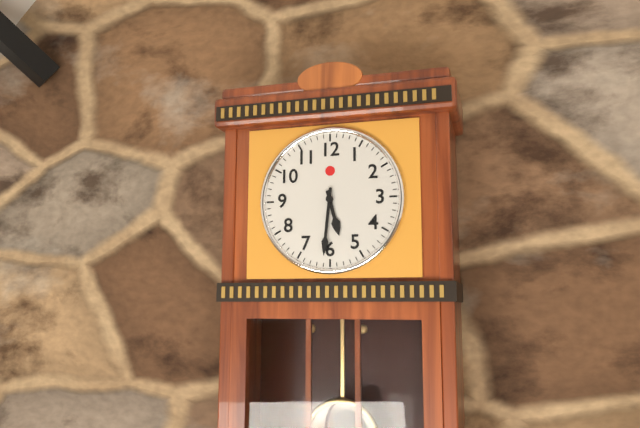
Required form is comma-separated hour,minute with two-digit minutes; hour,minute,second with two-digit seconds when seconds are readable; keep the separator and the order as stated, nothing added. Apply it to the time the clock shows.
5,31
